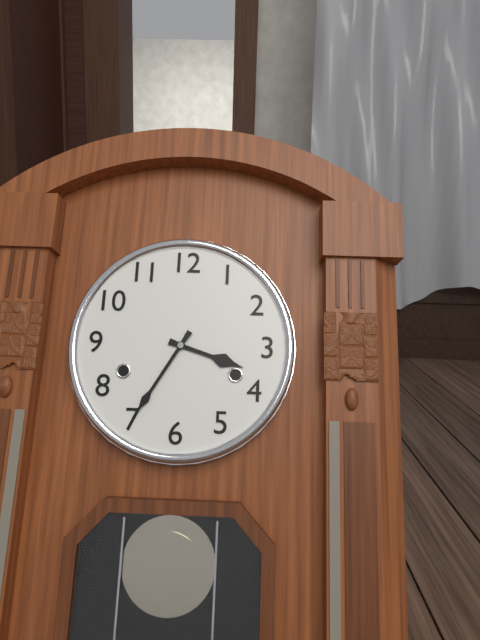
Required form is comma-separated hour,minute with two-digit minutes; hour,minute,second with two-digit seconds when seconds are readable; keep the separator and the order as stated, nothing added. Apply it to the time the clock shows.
3,35
